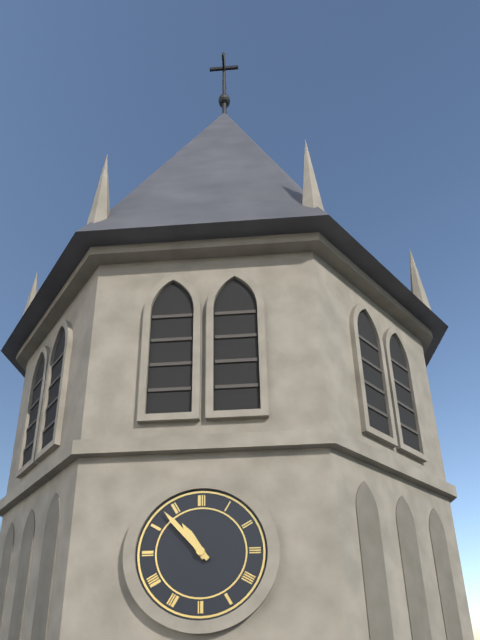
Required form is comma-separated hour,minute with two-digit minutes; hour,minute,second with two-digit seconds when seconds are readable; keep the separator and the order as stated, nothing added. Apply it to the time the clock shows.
10,53
